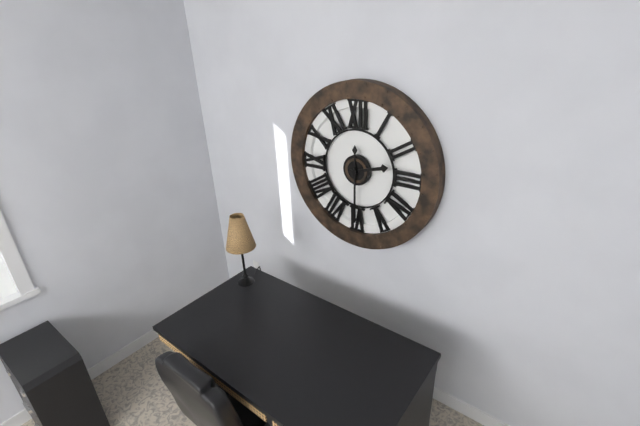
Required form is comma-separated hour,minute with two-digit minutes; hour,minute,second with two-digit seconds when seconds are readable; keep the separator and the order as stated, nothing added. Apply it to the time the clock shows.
2,30
